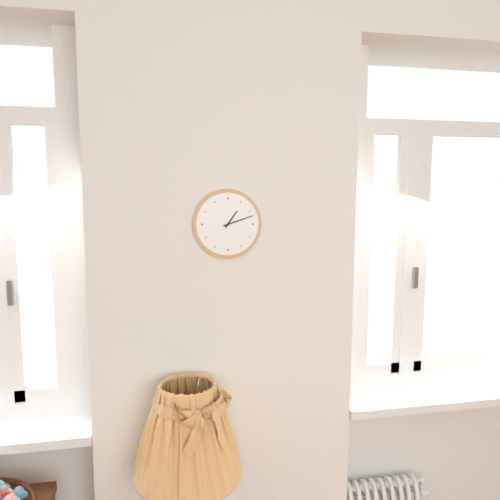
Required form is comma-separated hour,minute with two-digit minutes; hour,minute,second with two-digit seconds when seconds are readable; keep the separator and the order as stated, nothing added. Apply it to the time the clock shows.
1,12
